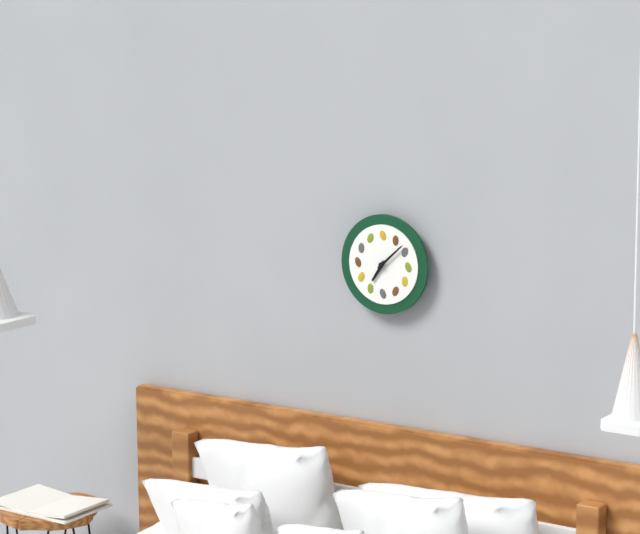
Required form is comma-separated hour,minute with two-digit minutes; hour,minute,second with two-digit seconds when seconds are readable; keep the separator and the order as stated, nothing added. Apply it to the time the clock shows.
7,08
